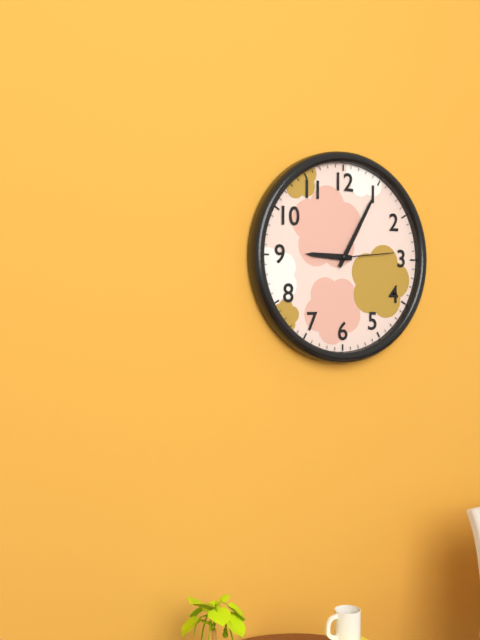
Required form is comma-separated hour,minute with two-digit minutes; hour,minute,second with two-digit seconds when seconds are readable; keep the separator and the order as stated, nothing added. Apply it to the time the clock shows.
9,05,14
